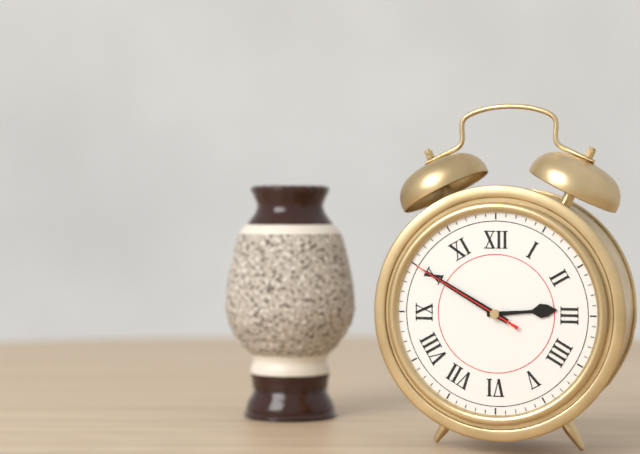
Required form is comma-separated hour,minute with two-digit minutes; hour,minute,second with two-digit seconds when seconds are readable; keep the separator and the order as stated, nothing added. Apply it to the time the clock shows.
2,50,50
